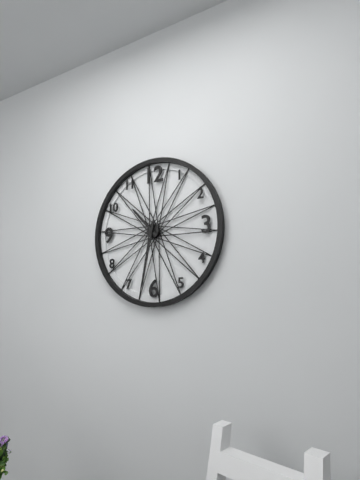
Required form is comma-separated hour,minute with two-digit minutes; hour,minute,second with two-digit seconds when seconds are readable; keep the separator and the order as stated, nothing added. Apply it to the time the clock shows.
10,32
